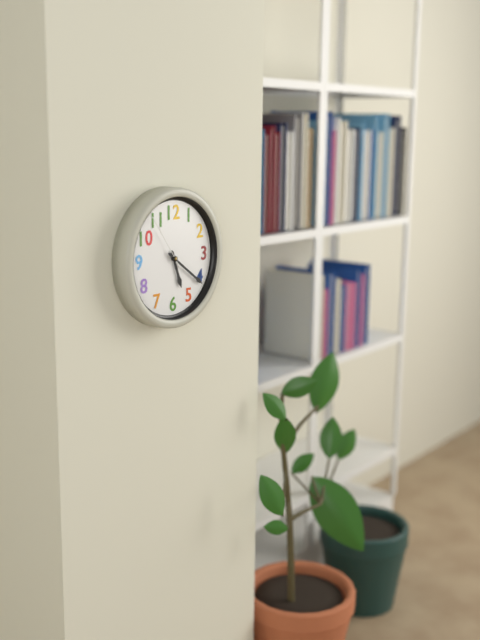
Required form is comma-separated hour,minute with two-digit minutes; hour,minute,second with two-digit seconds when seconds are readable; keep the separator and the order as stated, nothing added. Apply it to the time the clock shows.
5,21,54
